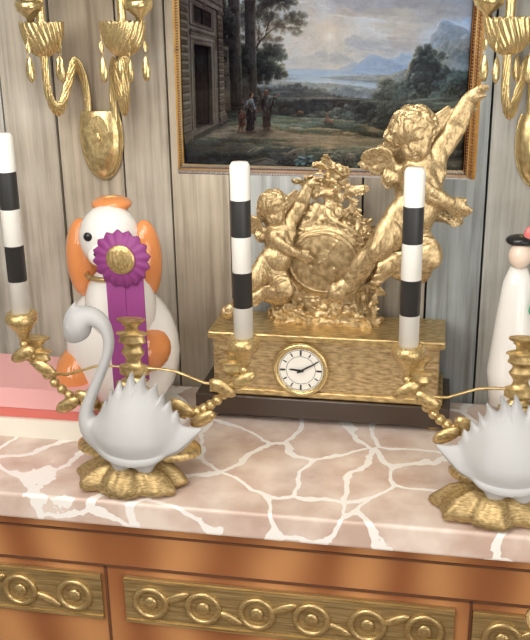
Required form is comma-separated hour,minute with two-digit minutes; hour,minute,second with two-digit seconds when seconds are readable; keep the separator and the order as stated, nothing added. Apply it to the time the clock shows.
9,10
